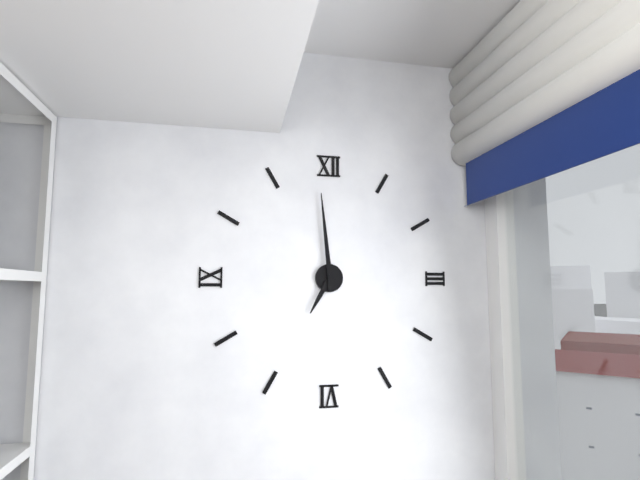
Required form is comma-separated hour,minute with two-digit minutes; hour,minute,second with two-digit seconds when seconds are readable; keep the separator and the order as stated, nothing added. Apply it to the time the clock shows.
6,59
